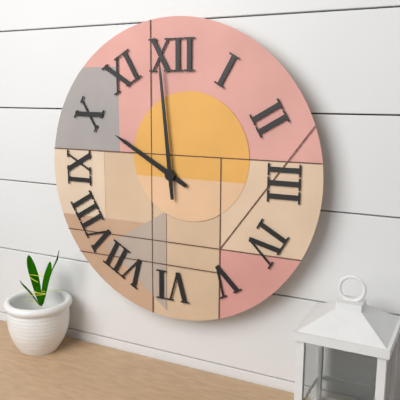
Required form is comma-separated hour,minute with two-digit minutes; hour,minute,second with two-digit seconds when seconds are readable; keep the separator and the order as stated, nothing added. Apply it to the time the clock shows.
9,59
